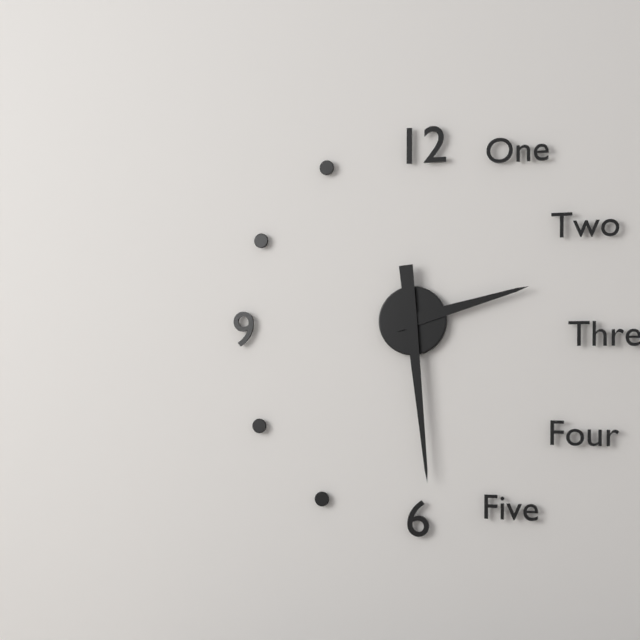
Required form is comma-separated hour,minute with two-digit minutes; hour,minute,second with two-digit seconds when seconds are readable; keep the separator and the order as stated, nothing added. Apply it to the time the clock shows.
2,29
